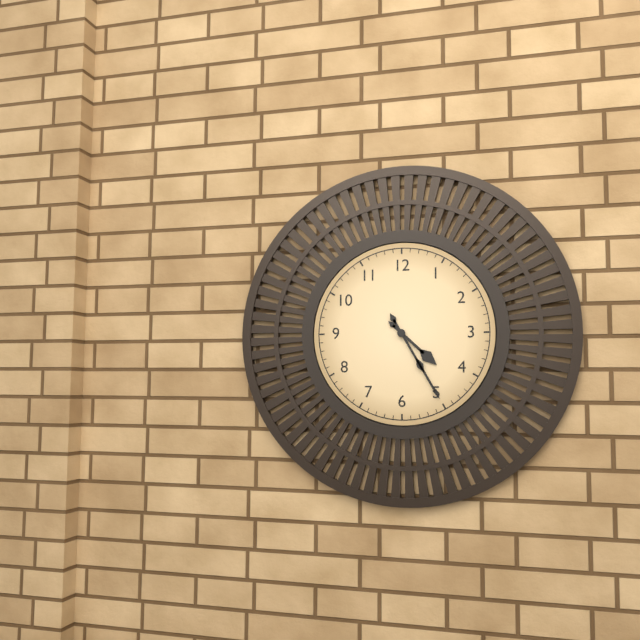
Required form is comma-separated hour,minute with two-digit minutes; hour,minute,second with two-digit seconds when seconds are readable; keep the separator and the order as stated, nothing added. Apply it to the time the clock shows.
4,25
